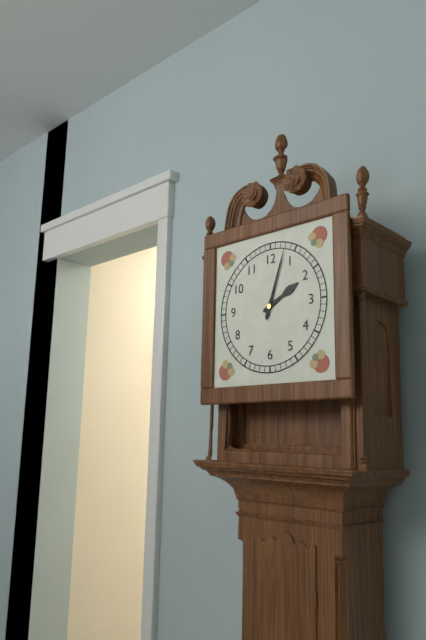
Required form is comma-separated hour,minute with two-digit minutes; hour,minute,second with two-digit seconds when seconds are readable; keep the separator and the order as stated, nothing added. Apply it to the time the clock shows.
2,03
